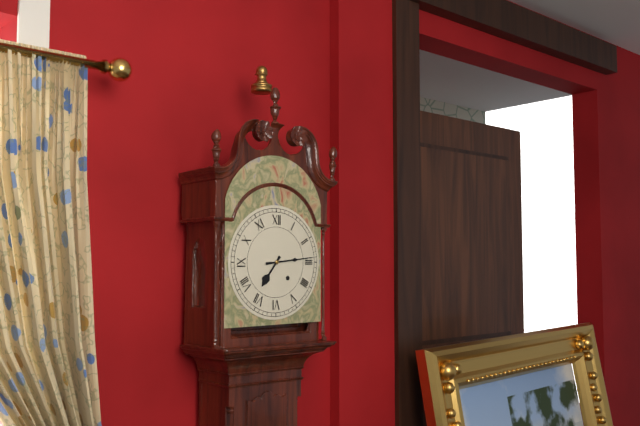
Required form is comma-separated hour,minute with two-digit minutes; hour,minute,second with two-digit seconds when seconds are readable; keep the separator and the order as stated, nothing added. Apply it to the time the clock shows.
7,14
